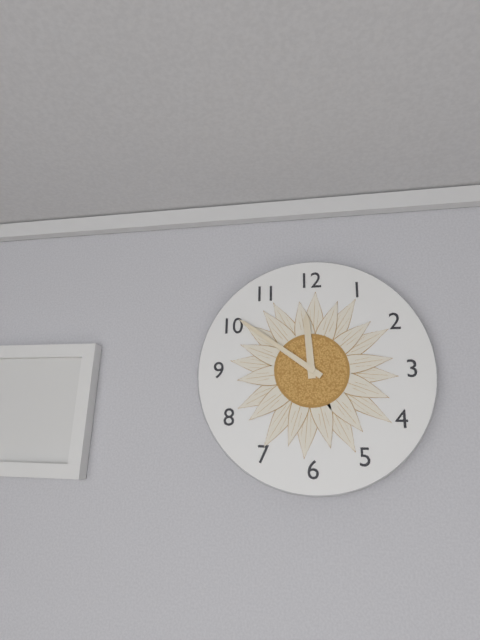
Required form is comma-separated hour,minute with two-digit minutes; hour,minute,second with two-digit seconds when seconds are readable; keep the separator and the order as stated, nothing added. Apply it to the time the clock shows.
11,51
